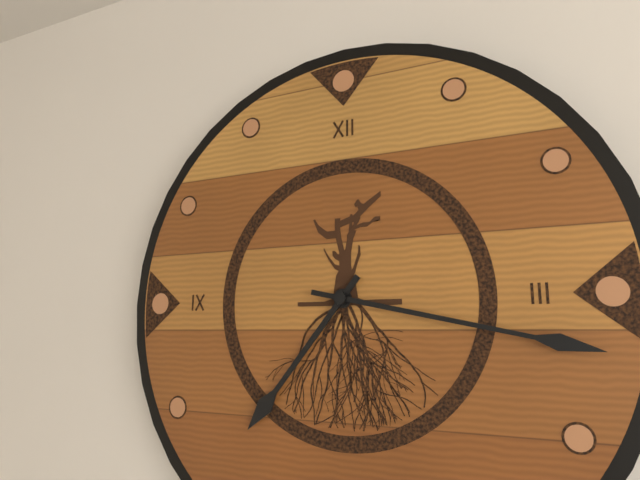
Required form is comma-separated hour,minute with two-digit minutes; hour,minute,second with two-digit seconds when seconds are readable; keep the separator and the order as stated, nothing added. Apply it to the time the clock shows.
7,17
